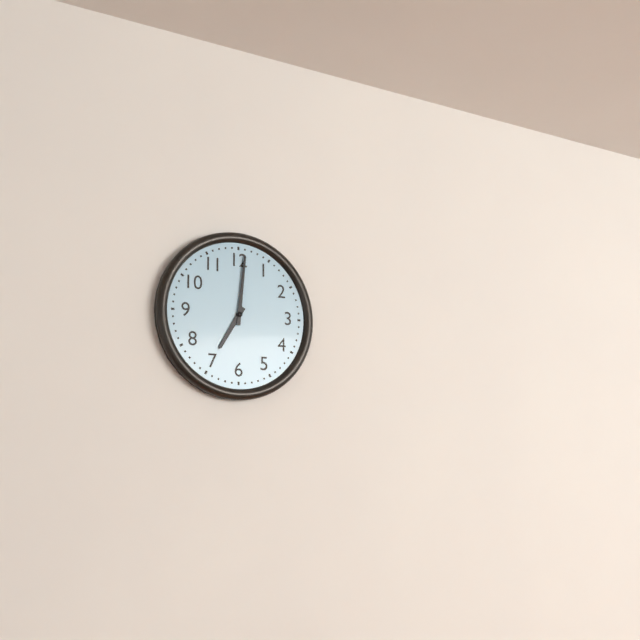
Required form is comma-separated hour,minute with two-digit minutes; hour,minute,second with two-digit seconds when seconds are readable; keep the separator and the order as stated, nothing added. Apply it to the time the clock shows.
7,01
